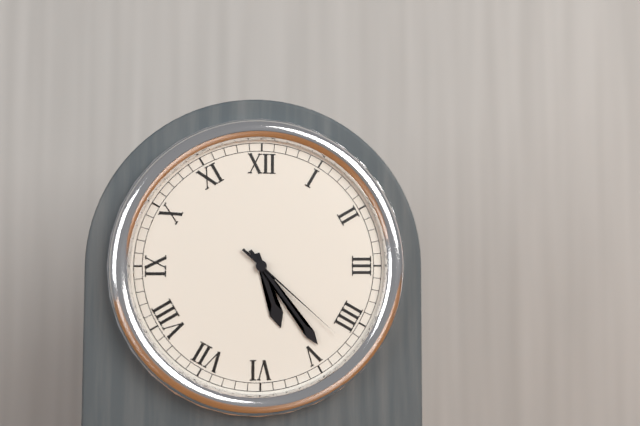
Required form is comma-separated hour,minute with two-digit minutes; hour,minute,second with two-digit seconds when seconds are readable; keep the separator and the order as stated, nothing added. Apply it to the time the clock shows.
5,24,22
